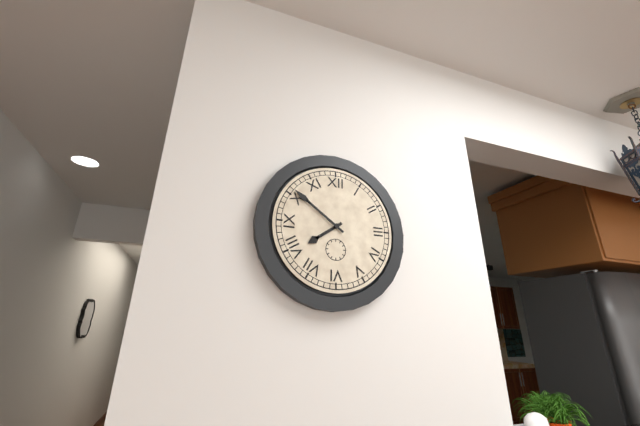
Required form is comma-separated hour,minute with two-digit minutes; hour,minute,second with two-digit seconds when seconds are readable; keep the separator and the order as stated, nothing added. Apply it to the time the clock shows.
7,51
